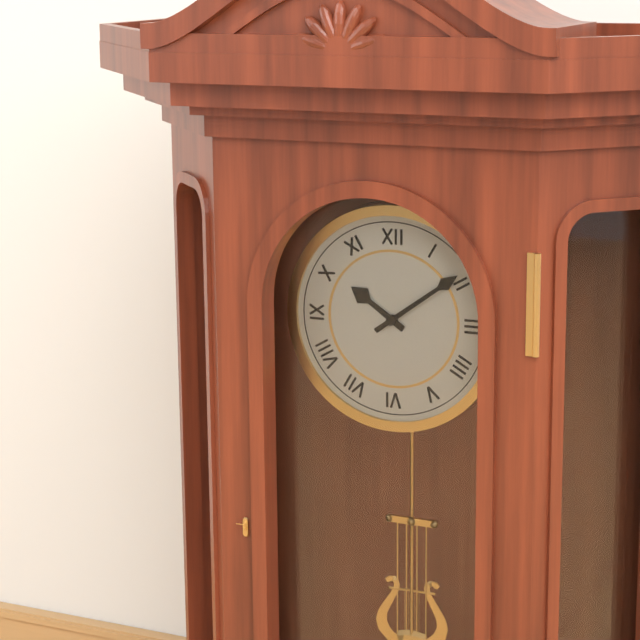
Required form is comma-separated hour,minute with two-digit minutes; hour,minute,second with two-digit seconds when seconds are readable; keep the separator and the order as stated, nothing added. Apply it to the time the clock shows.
10,09
